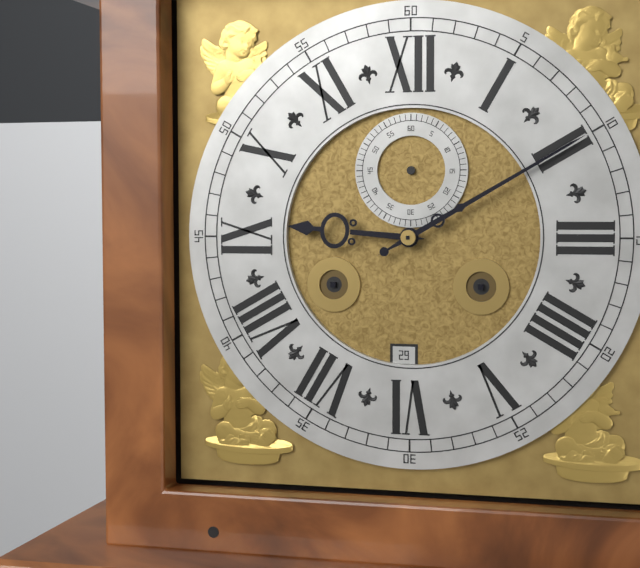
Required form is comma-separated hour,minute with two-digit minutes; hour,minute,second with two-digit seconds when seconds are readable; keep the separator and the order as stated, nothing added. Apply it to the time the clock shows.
9,10
